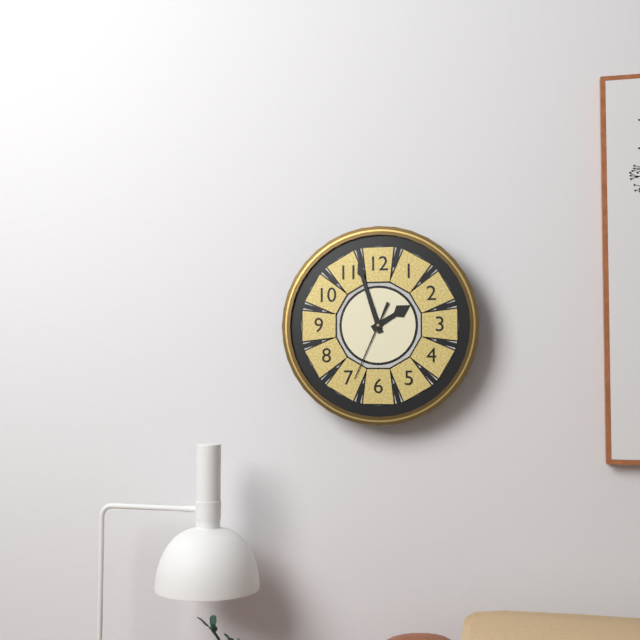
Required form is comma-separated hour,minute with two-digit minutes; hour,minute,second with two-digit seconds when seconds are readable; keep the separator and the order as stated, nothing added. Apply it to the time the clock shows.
1,57,34
